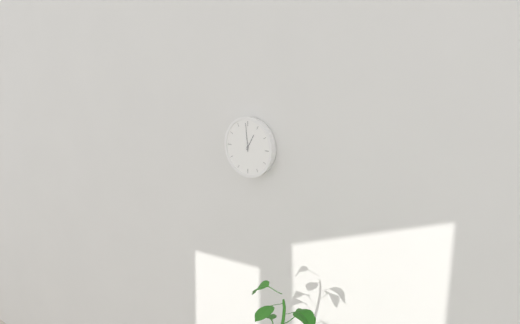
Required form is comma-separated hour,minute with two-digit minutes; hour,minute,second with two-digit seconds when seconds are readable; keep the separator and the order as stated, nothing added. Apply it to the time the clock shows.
12,59
